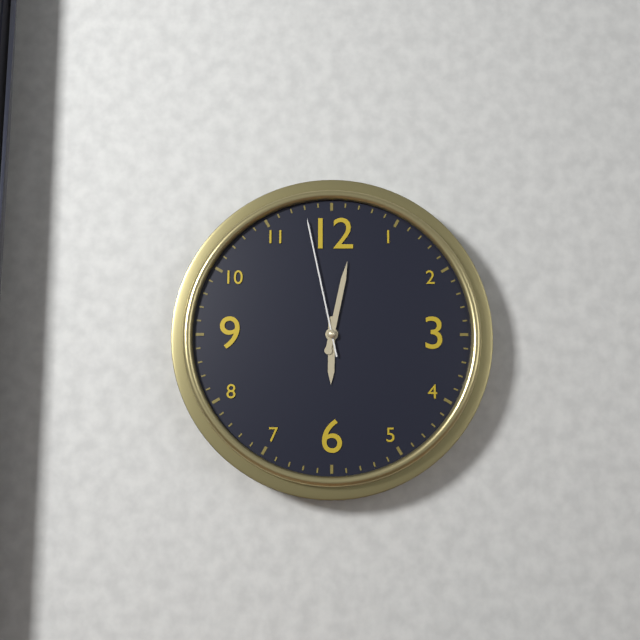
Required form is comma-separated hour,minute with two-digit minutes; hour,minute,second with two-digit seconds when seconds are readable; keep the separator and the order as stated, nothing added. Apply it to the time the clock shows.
6,02,58
